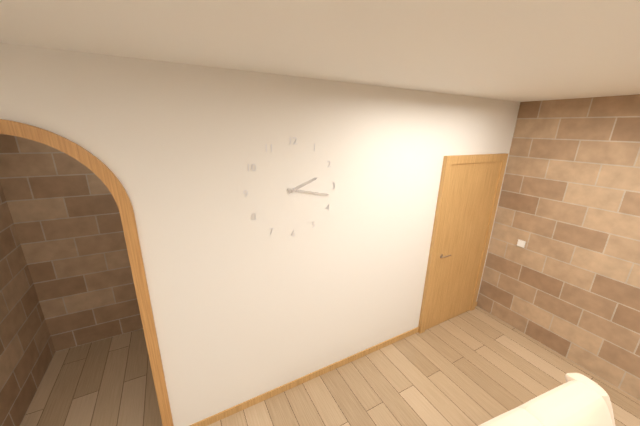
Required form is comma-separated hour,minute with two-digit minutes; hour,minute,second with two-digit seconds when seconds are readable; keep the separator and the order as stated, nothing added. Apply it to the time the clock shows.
2,17
